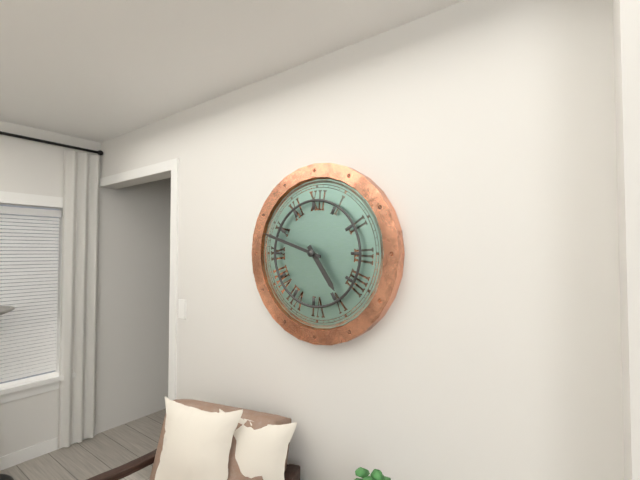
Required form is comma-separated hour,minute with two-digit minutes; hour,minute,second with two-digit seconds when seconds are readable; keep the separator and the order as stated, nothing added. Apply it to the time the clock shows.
4,48
